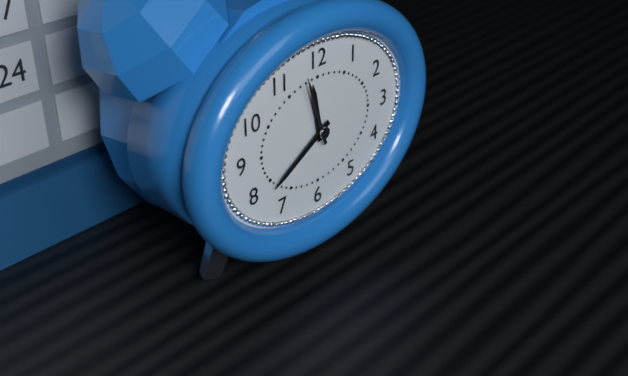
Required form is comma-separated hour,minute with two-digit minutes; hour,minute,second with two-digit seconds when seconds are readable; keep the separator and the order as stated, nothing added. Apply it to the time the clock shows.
11,40,57
